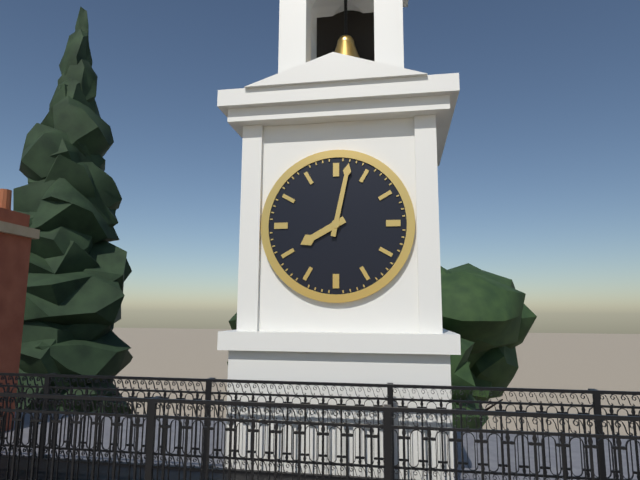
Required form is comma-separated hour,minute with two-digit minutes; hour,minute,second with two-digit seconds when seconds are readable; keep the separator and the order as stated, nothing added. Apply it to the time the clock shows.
8,02
